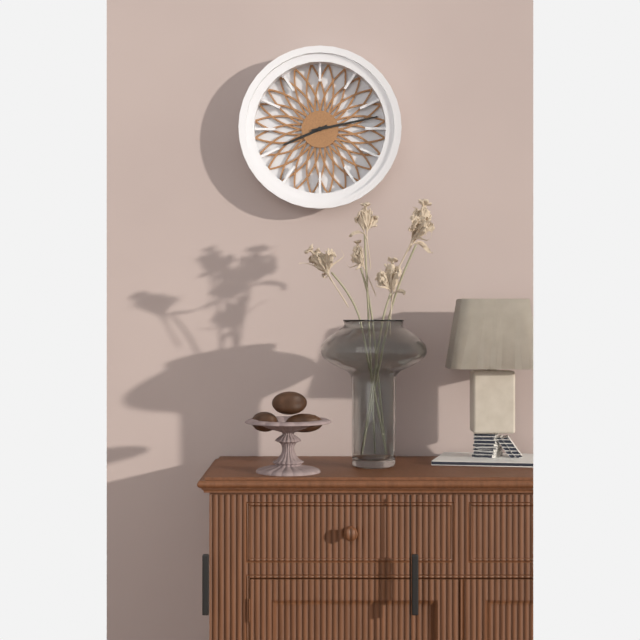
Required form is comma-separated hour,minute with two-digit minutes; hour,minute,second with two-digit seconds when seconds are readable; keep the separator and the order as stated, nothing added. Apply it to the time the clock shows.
8,13
